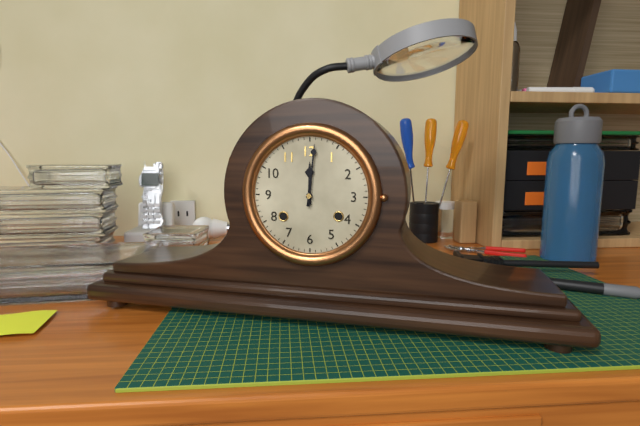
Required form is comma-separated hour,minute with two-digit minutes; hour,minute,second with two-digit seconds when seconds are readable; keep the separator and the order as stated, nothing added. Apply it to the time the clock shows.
12,01
